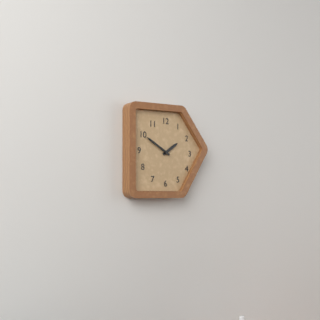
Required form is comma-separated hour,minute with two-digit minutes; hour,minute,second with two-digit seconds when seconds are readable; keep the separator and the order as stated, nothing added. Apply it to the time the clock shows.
1,50
